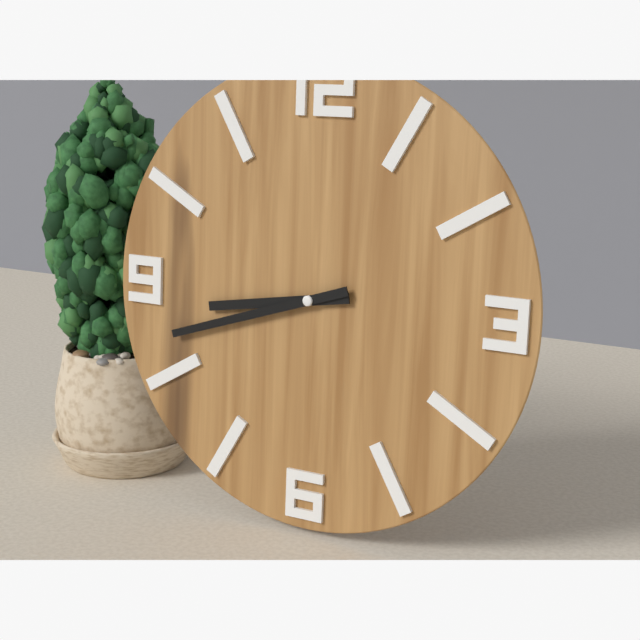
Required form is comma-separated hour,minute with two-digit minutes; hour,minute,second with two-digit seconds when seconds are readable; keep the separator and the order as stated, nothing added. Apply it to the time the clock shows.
8,42
